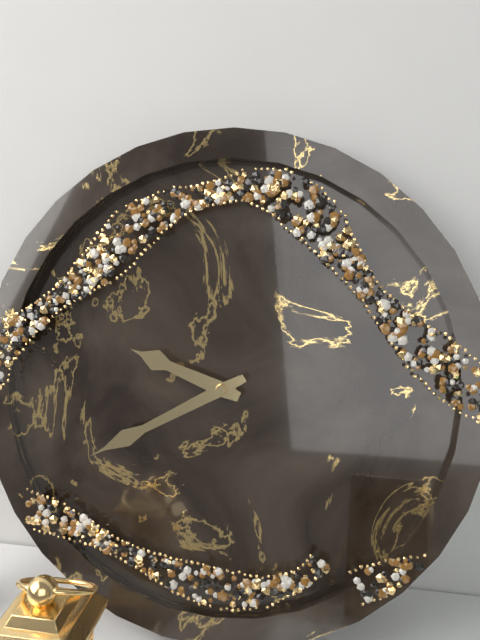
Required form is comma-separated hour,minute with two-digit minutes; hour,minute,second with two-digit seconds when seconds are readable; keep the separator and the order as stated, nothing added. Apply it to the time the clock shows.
9,40
